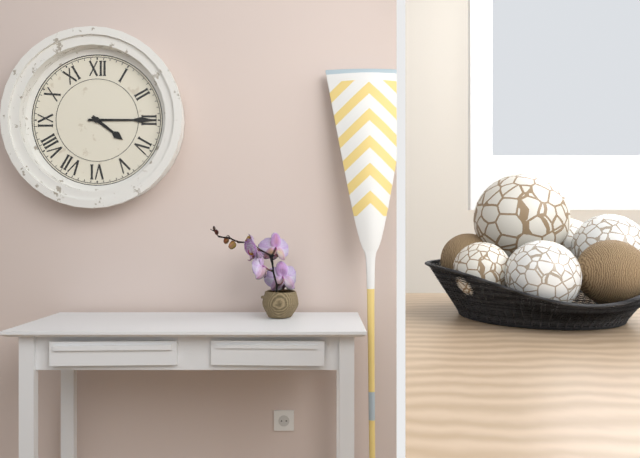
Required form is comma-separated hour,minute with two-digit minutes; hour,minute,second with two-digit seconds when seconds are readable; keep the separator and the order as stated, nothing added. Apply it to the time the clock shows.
4,15
